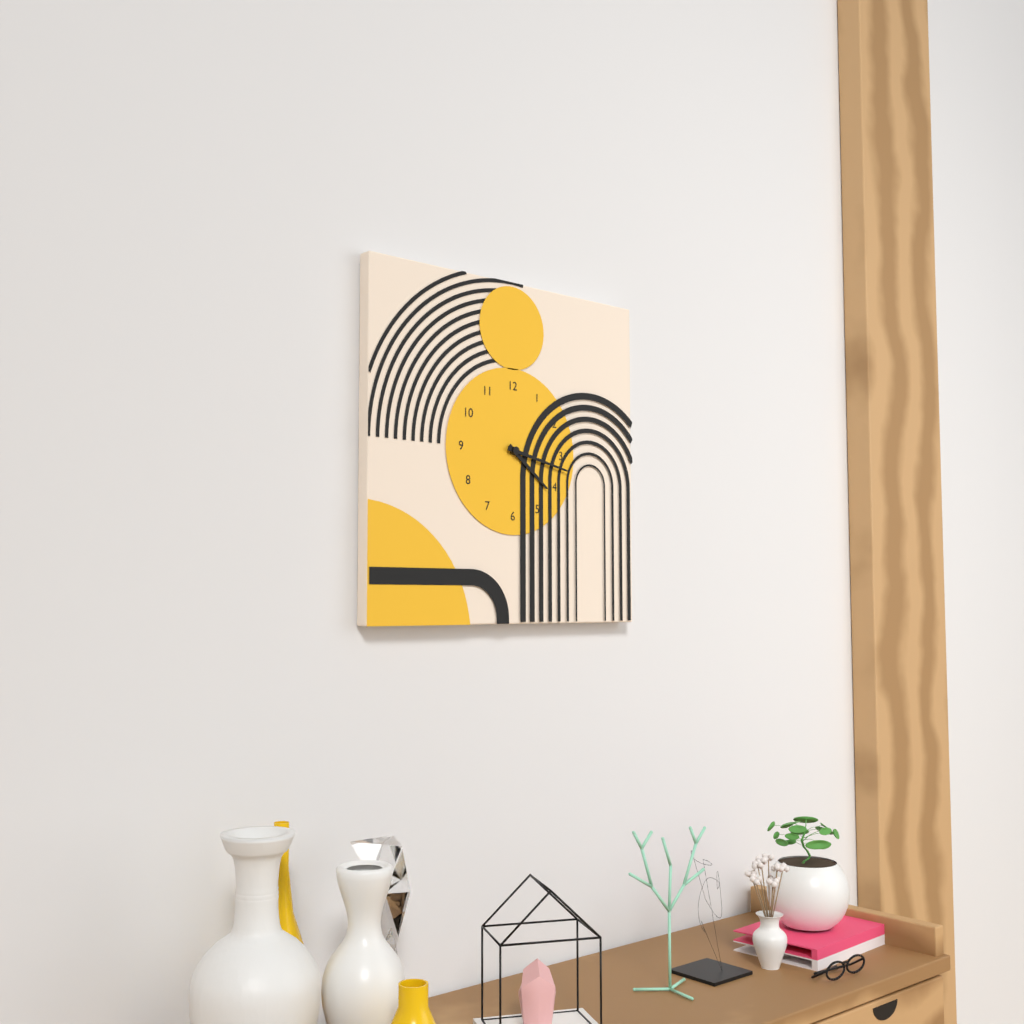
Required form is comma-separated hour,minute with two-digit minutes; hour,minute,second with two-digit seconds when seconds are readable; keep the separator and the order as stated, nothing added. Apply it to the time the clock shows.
4,17
